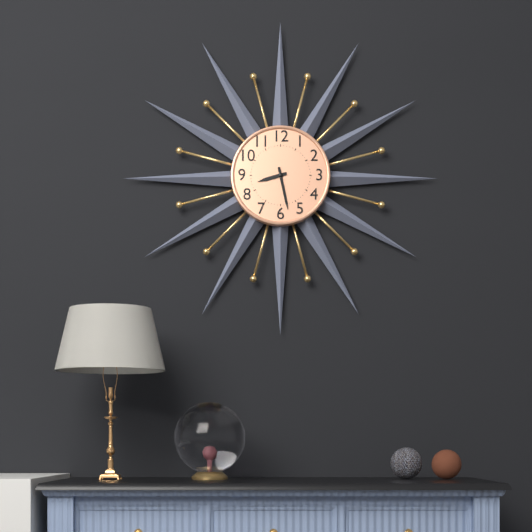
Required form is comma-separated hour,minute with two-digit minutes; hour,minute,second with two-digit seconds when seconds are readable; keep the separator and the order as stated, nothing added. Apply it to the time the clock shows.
8,28
